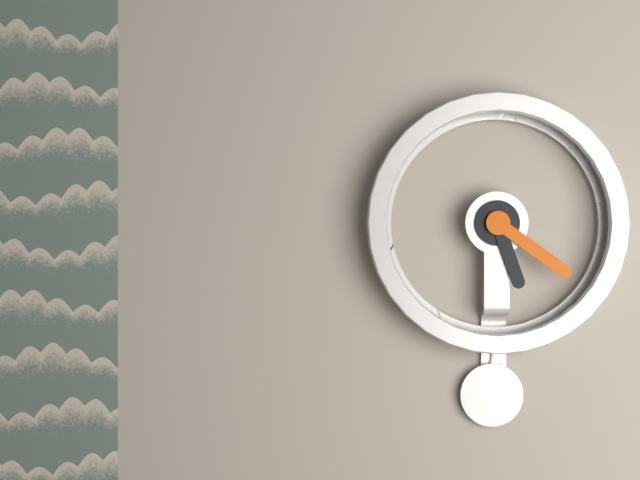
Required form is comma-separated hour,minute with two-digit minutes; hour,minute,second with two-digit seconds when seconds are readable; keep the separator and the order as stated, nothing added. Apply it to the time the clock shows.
5,21
